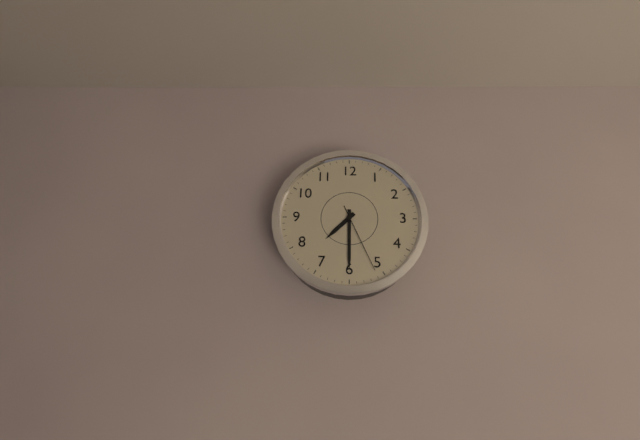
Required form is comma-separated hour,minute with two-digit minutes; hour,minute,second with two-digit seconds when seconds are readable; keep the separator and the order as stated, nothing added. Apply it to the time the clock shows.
7,30,26
